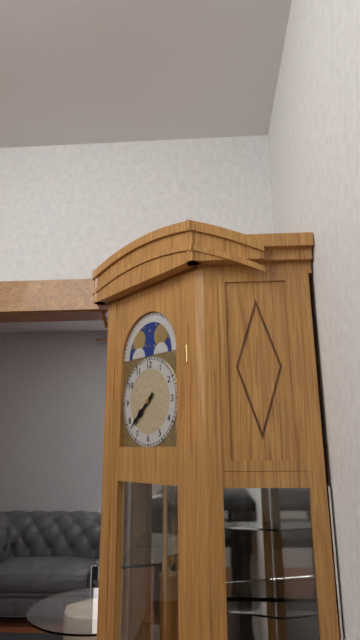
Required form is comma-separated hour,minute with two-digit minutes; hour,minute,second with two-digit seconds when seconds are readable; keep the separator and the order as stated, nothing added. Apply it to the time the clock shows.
7,38
